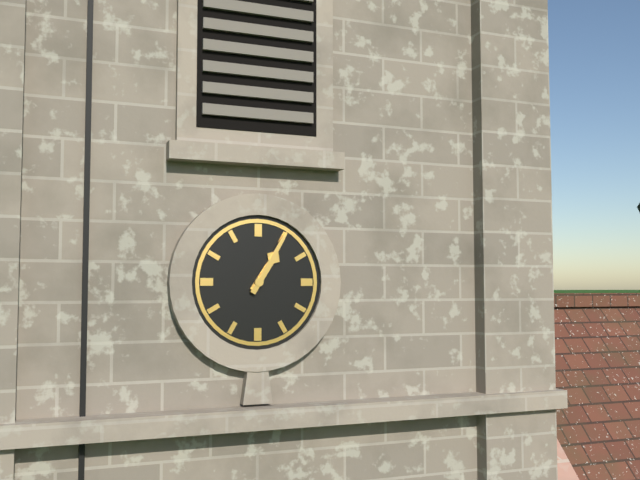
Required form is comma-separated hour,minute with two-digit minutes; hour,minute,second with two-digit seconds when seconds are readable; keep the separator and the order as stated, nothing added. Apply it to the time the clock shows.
1,05
